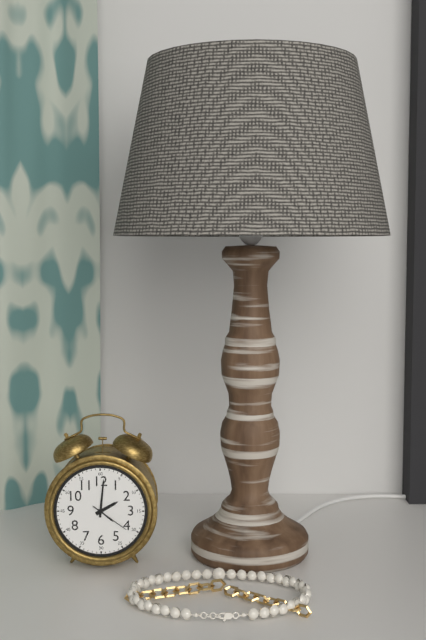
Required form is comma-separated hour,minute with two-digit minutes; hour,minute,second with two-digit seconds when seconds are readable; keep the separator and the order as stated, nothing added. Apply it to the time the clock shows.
2,01
